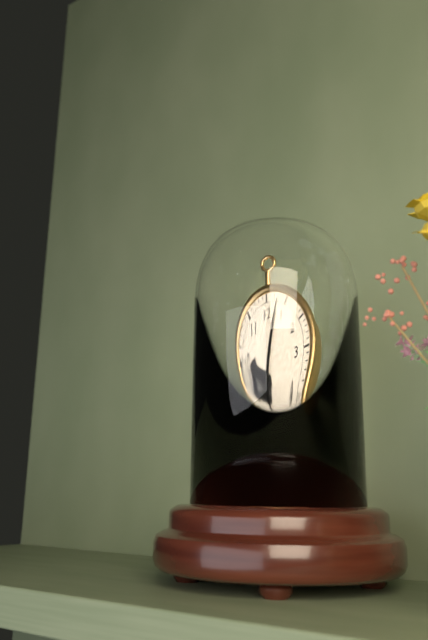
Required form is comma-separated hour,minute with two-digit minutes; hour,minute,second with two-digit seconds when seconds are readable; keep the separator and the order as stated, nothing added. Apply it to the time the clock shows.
10,03
